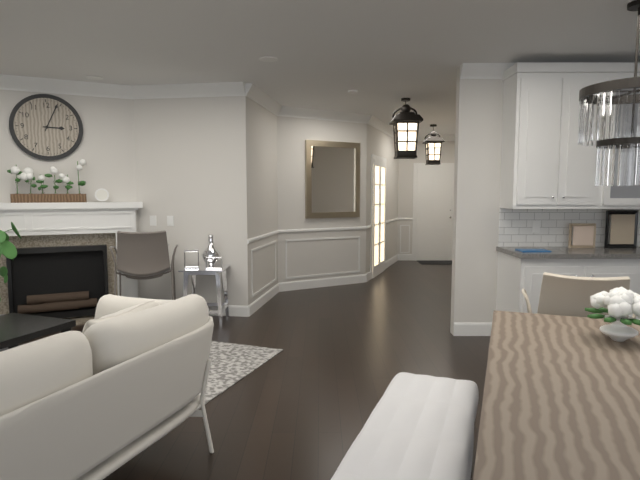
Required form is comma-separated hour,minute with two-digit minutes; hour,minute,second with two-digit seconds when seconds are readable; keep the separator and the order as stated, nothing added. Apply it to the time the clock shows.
3,04
